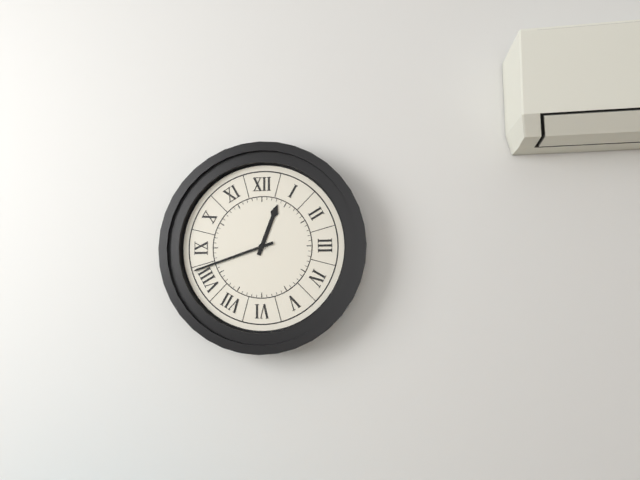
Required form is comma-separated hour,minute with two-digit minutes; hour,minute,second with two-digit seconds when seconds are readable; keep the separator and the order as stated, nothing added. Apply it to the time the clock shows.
12,42
